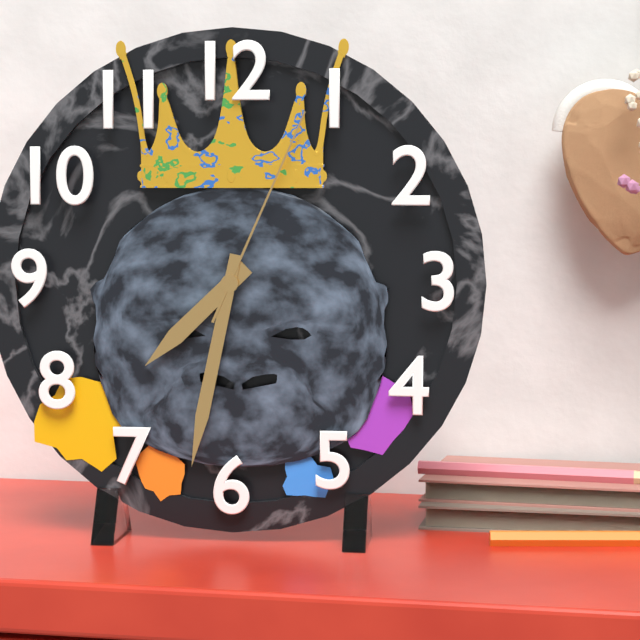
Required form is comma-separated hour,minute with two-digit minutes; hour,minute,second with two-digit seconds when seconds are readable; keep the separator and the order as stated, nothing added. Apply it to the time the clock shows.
7,32,04
